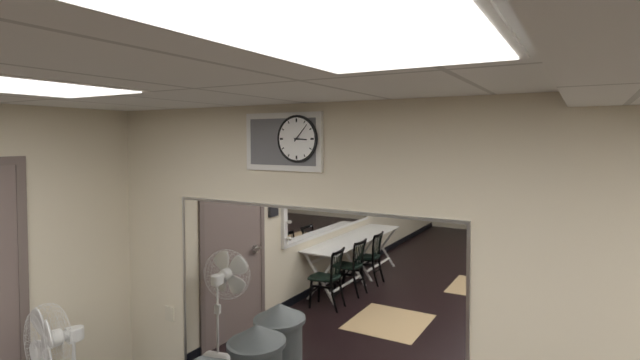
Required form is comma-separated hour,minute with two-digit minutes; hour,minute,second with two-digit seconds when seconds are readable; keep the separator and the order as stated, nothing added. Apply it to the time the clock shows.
3,07
